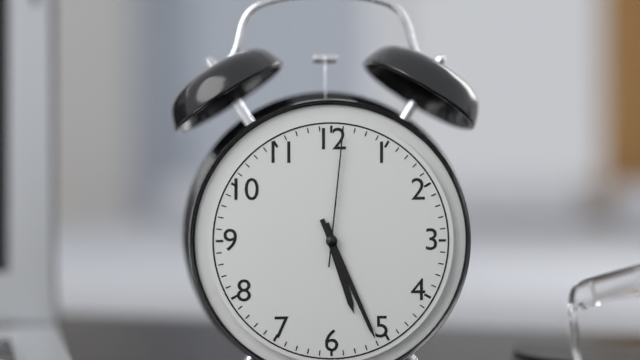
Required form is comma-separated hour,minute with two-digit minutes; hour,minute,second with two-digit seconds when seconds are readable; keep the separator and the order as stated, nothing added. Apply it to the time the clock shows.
5,26,01
